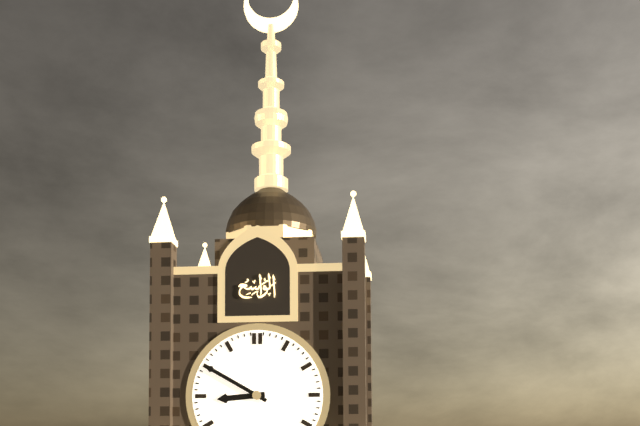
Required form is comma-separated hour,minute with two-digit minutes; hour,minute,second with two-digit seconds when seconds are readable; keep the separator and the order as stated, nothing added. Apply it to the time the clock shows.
8,50
